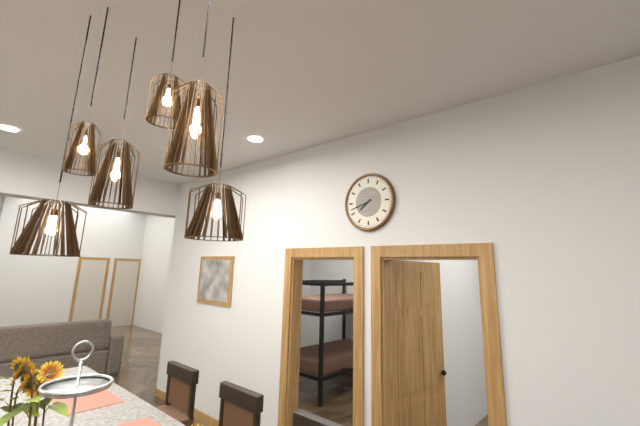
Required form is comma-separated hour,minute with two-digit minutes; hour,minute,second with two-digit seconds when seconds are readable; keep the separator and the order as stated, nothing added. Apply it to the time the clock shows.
7,42
